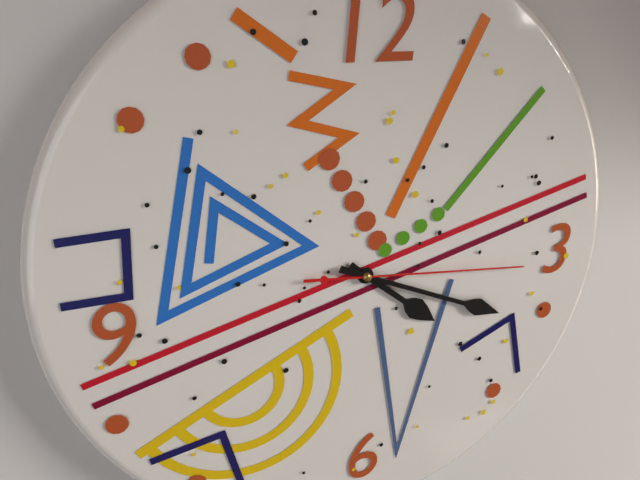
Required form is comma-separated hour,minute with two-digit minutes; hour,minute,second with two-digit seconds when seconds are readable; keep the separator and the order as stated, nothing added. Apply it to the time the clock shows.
4,19,16
